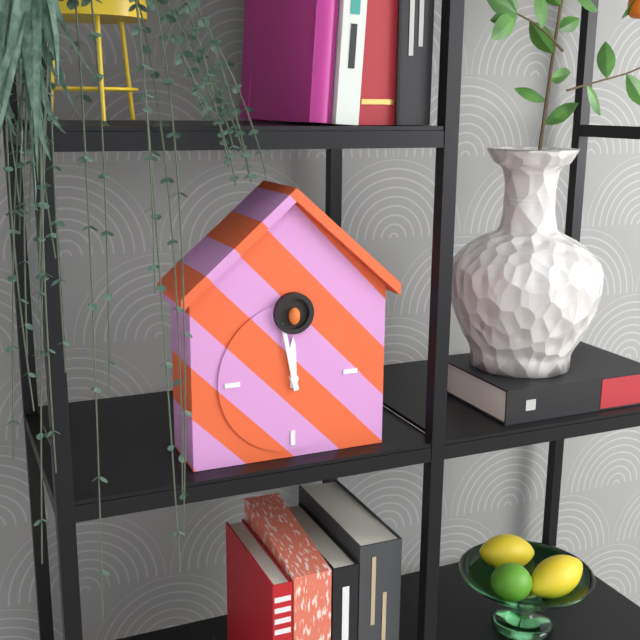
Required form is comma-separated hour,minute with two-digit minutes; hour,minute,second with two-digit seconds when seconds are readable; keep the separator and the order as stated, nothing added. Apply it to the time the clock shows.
11,58
